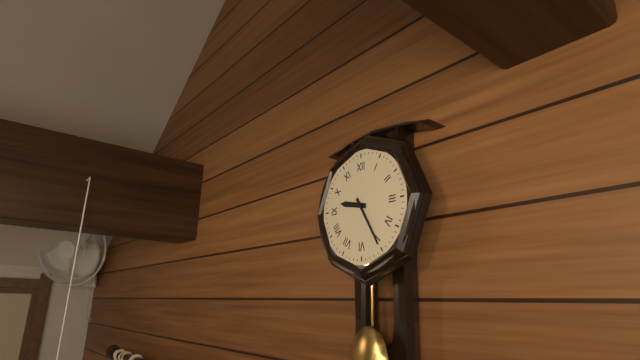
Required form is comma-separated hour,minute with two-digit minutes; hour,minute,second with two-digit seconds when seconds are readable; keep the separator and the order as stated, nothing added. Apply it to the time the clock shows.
9,25
